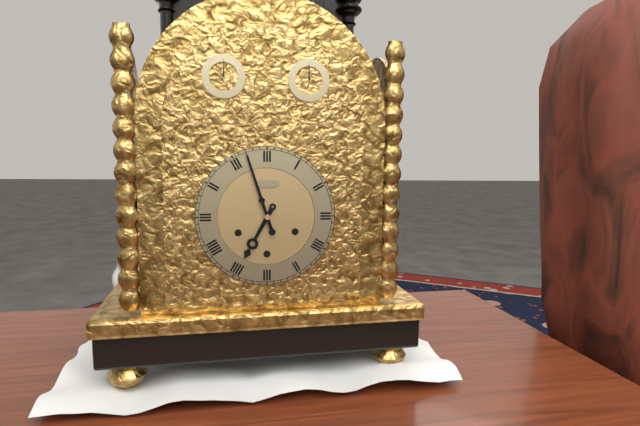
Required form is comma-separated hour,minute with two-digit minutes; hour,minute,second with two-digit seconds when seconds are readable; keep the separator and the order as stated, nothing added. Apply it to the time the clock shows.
6,57
